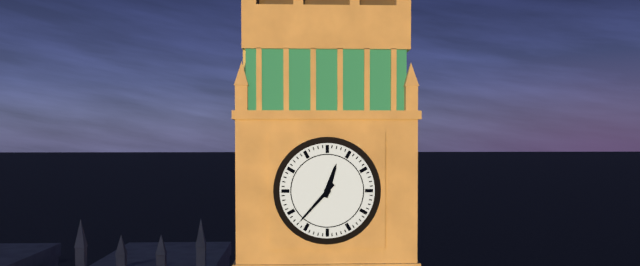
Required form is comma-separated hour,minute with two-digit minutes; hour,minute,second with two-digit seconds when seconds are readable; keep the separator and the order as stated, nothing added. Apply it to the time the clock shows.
12,37
